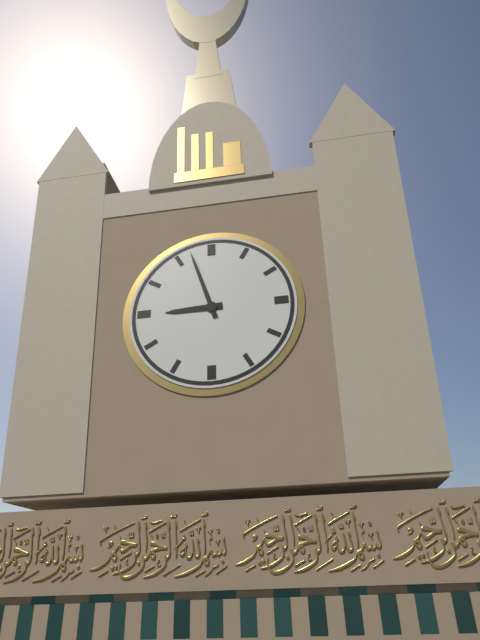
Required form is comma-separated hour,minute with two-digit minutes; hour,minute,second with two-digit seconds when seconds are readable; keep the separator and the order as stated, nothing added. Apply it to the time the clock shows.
8,57
